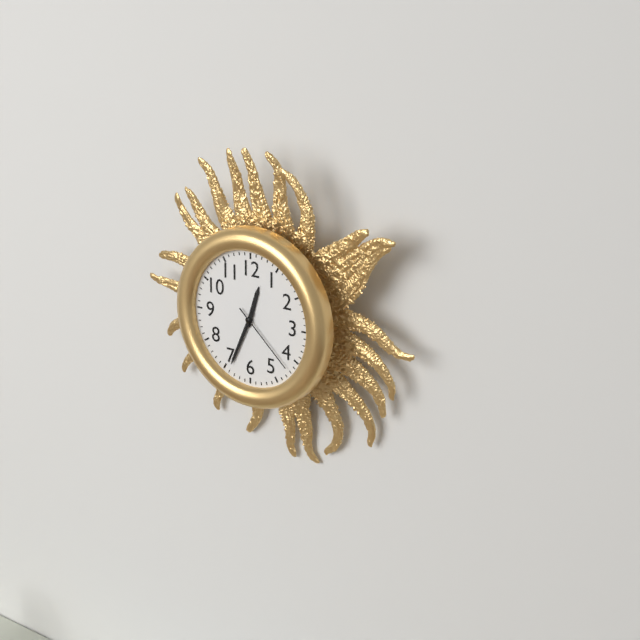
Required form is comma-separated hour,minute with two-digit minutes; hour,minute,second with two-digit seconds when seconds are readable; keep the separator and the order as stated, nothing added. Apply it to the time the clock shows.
12,34,22
